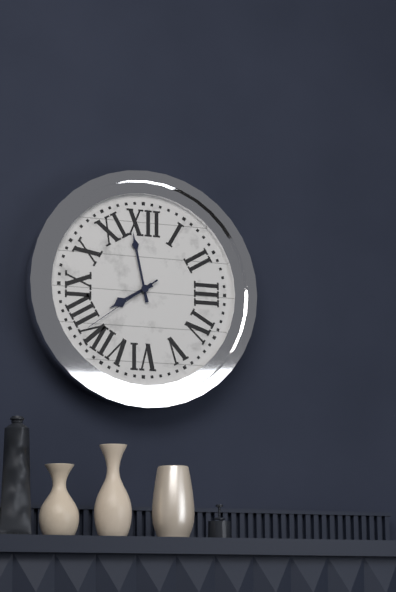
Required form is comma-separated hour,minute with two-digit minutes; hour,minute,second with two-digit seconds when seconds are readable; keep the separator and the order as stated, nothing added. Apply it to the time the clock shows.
7,58,39
